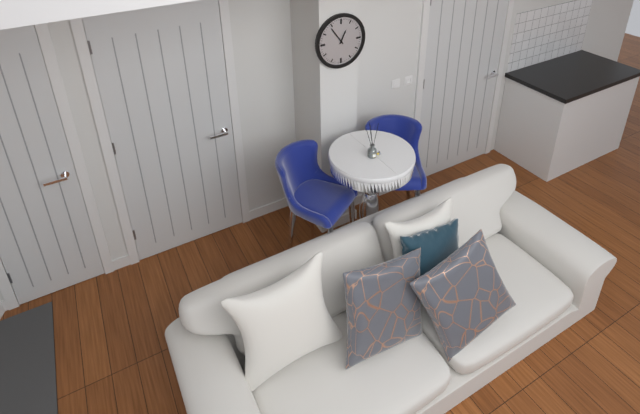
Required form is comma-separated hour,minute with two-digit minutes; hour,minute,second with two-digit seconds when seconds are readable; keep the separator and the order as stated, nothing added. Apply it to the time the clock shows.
12,54
